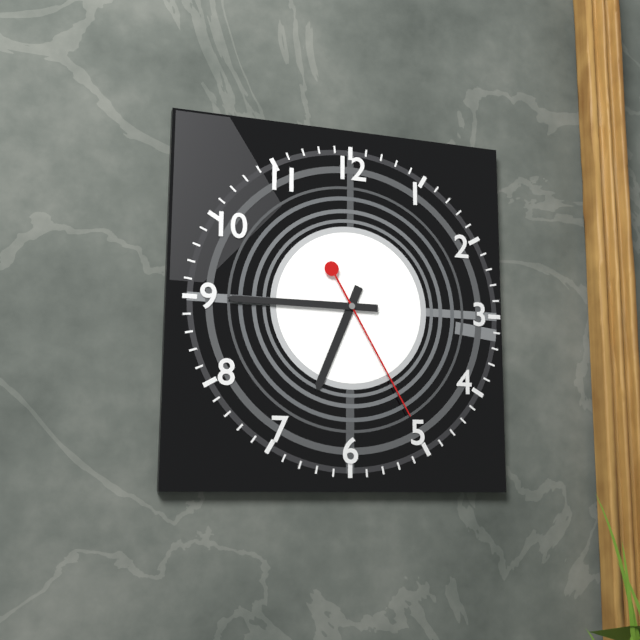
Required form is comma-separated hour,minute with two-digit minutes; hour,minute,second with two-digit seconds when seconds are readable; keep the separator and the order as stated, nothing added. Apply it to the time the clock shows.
6,45,25
